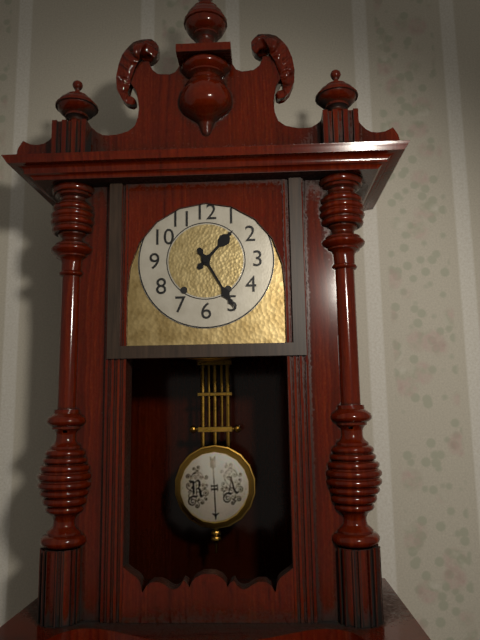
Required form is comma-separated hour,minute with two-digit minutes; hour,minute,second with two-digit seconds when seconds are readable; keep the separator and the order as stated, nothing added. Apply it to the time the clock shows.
1,25
